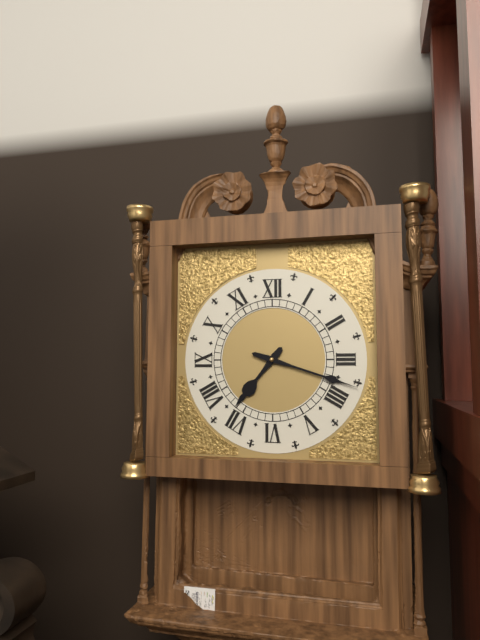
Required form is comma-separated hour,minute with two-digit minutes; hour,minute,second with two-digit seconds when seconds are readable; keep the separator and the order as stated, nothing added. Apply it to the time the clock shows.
7,18
